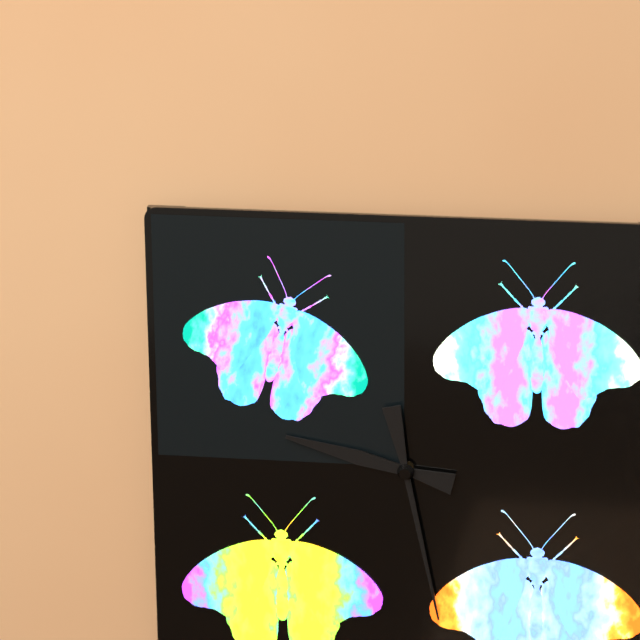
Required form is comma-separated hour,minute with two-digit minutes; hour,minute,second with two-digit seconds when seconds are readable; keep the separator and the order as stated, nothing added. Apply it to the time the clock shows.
9,28
